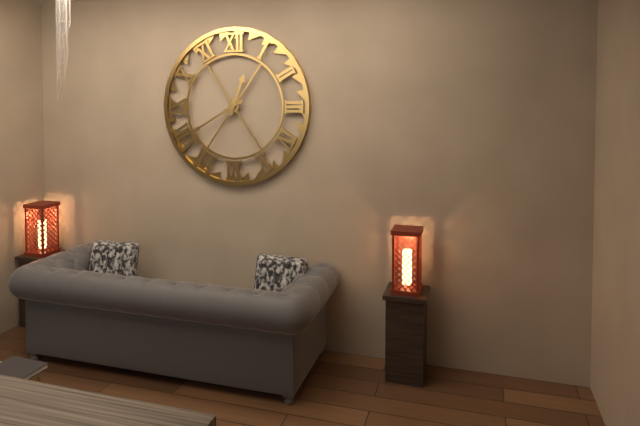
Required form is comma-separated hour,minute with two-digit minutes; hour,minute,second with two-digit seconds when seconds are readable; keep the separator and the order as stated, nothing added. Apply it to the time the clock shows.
12,40
